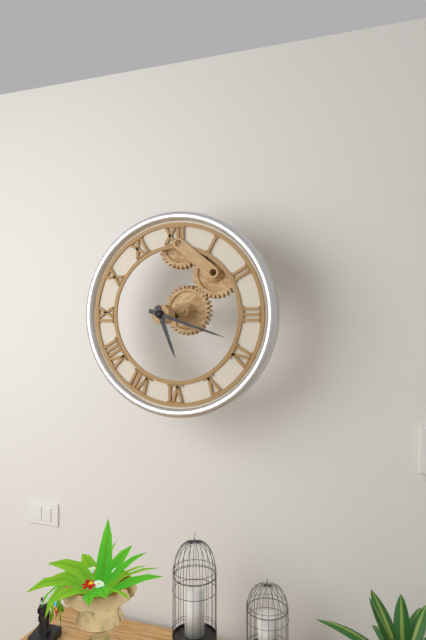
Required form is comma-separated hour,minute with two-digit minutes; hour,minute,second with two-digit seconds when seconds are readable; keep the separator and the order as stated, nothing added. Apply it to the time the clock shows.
5,18
